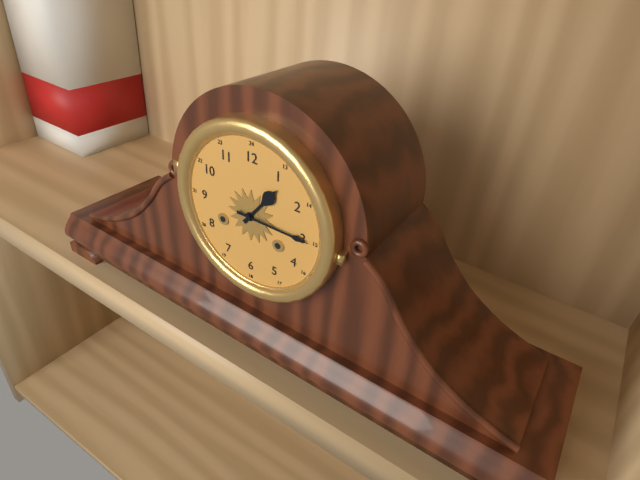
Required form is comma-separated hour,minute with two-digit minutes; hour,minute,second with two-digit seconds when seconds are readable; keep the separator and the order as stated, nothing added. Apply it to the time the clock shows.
1,15
